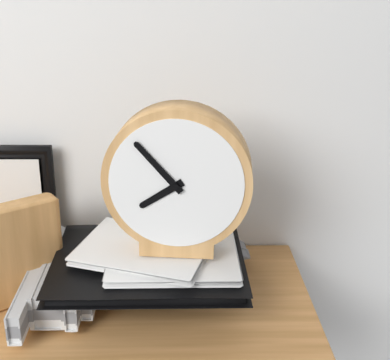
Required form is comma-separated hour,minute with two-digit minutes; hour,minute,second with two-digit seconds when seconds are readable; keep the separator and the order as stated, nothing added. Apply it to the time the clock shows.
7,53
